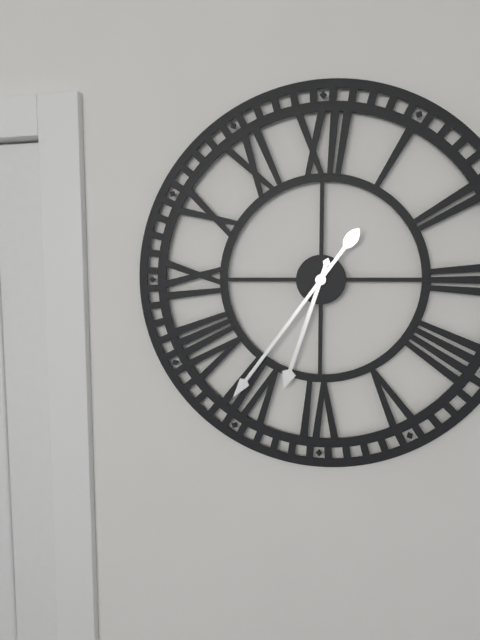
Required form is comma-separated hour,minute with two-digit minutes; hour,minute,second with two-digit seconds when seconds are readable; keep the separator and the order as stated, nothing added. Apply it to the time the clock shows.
6,36
